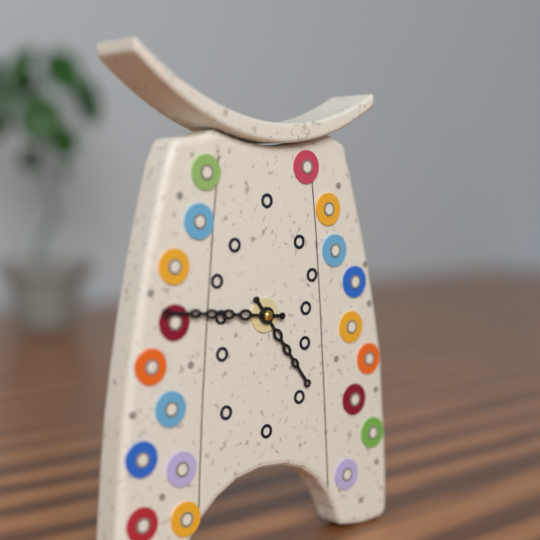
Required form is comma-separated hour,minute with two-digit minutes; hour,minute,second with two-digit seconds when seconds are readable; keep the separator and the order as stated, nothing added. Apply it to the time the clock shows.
4,46
